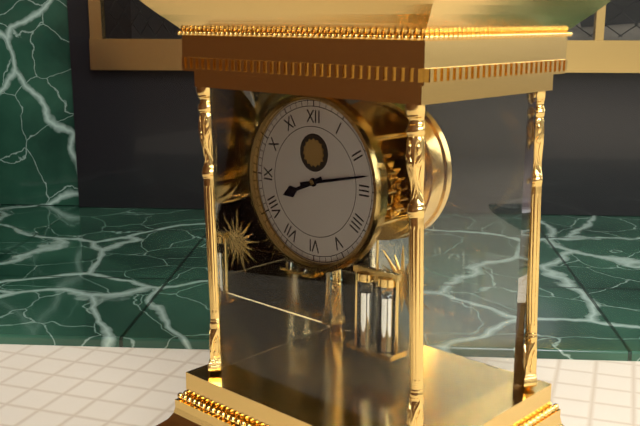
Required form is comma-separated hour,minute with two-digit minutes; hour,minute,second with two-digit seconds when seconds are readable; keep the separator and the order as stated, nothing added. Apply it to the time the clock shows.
8,13
